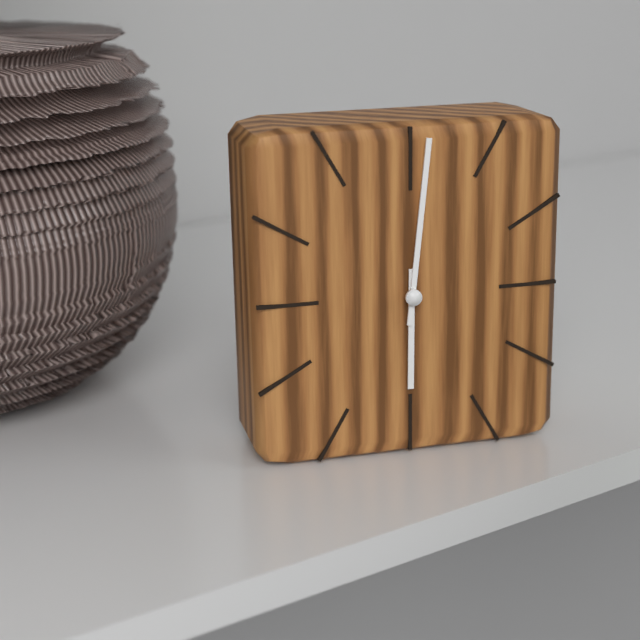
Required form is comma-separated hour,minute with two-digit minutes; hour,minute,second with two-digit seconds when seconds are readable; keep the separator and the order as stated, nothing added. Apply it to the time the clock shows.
6,01
